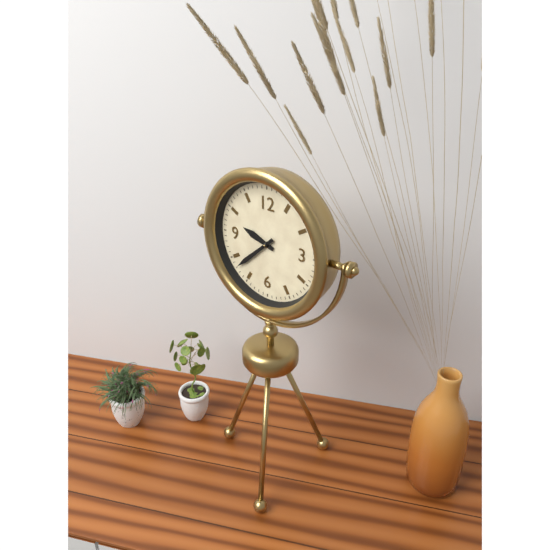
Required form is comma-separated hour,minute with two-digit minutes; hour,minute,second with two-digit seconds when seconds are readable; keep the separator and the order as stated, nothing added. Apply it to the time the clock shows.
9,38
